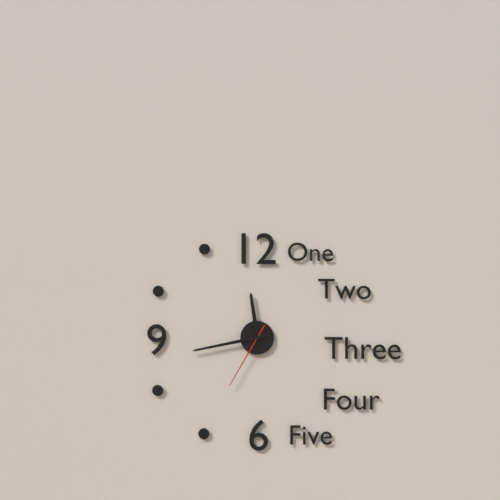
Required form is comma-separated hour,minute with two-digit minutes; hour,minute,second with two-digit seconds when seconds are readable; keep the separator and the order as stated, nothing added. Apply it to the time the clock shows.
11,43,35
